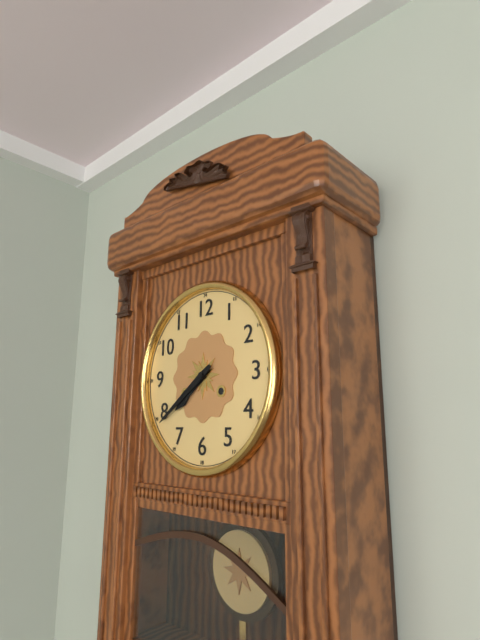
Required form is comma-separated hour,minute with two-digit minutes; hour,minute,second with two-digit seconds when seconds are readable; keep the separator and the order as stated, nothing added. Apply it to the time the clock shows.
7,39
